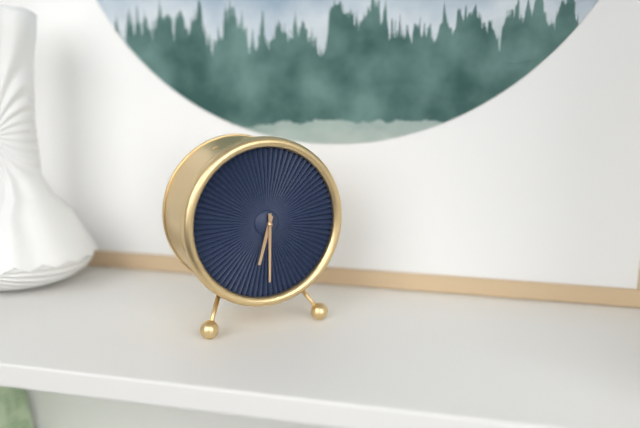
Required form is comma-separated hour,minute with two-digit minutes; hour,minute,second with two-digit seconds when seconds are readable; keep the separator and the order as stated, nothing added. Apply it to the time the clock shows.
6,30
